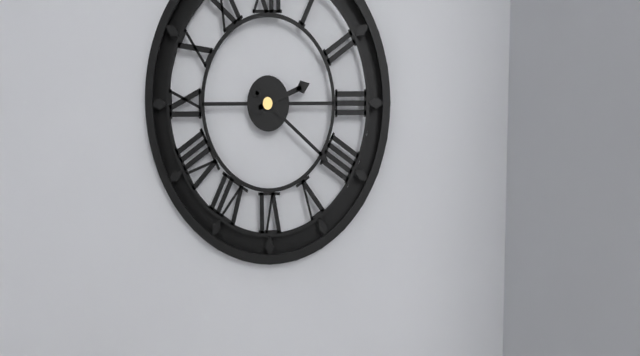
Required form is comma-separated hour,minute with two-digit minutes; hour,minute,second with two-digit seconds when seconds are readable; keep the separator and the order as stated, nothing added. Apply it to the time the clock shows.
2,21
